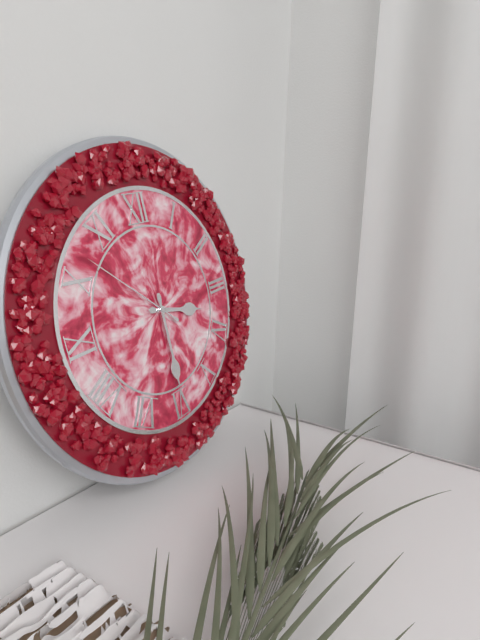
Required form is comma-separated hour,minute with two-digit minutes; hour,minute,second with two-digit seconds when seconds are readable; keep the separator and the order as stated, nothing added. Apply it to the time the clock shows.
3,30,52
